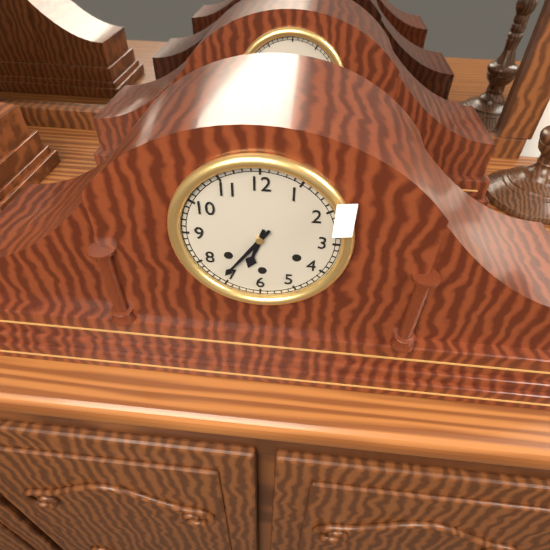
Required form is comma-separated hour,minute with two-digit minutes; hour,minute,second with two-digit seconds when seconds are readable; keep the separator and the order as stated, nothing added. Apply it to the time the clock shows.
6,36
